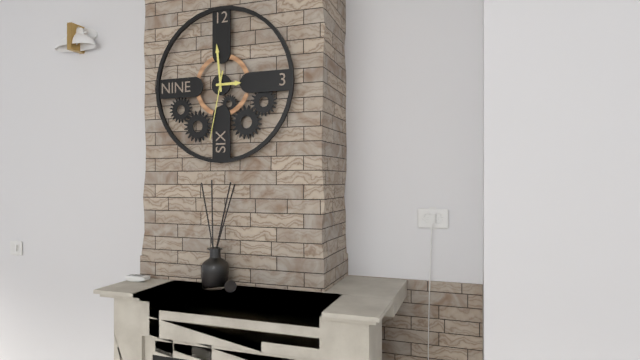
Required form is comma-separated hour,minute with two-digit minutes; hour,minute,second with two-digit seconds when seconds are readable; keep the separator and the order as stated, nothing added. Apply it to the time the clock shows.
2,59,32
